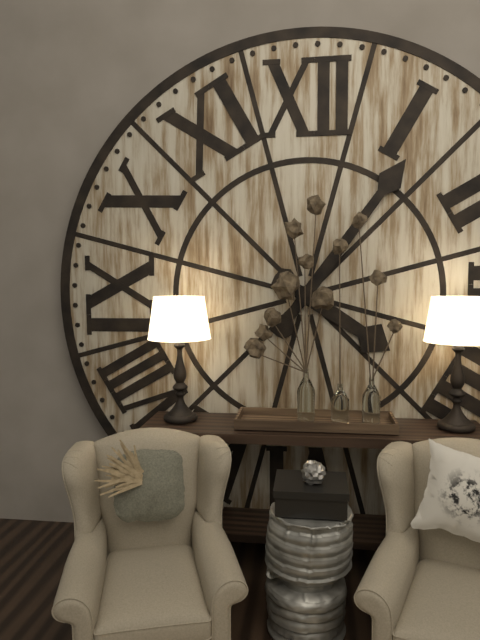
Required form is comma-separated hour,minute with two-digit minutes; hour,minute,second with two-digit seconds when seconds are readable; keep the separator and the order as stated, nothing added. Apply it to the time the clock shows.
4,06
